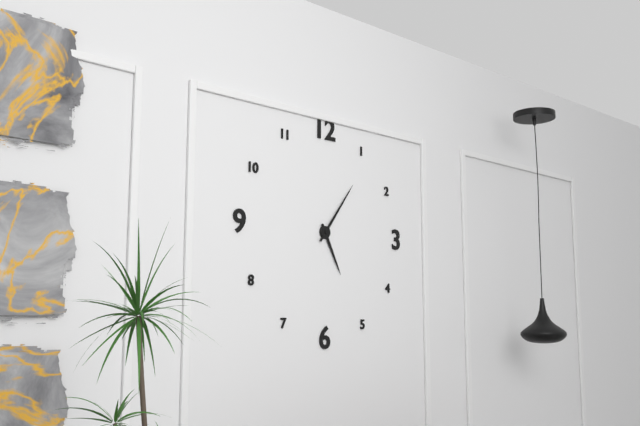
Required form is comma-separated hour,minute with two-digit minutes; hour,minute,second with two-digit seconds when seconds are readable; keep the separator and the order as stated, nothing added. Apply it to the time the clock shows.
5,06
